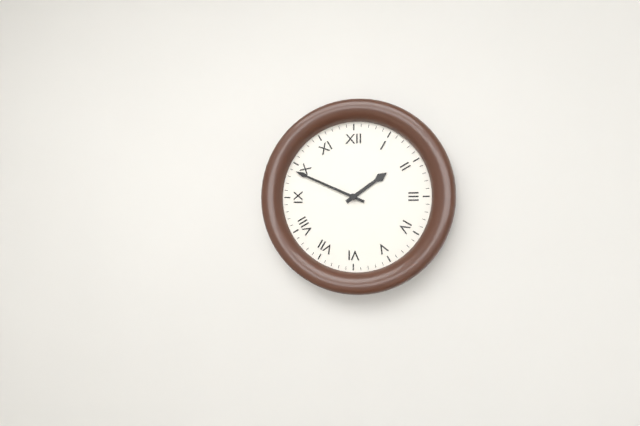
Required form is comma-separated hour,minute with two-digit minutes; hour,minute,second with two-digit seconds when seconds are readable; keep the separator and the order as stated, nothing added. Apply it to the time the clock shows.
1,49
